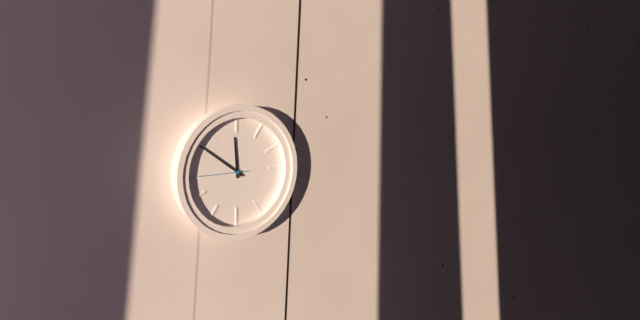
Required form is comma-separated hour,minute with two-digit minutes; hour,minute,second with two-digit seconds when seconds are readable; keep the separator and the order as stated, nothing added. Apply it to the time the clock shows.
11,51,45
